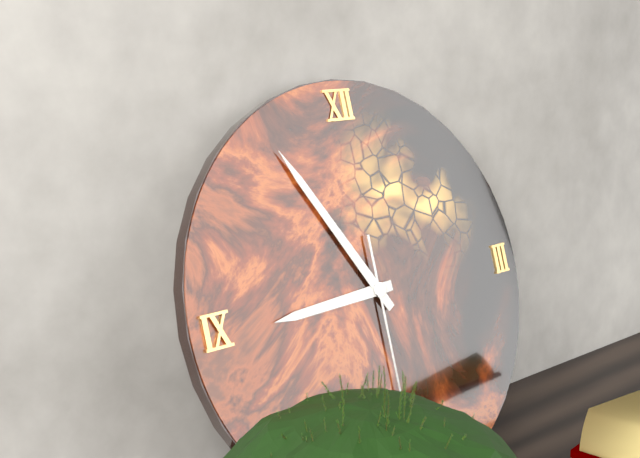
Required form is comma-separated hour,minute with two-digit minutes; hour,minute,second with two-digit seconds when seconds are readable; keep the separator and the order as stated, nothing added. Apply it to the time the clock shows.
8,55
